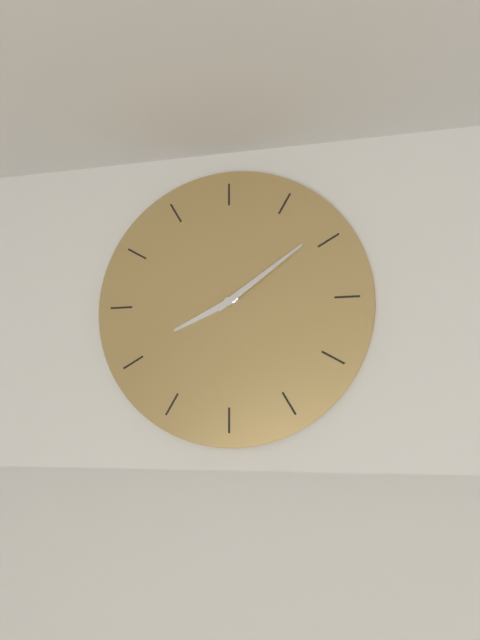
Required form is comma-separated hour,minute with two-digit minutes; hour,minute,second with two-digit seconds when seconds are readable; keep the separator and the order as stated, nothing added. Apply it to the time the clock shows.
8,09
